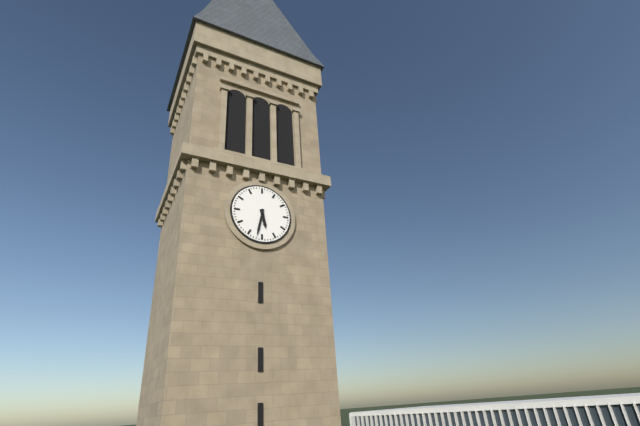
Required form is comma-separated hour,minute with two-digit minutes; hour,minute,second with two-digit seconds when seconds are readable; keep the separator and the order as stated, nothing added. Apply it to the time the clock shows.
5,32
